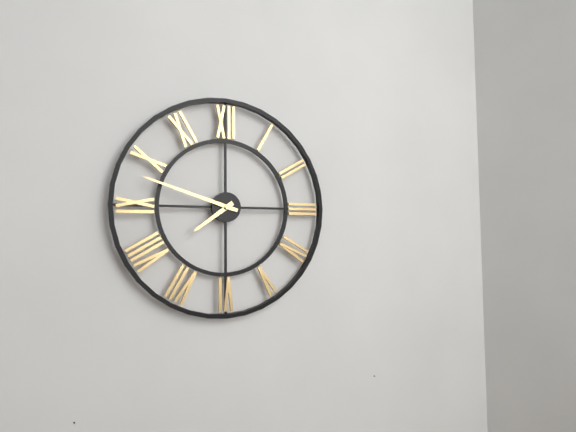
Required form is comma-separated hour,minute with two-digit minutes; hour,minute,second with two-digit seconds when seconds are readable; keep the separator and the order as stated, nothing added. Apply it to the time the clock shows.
7,48
